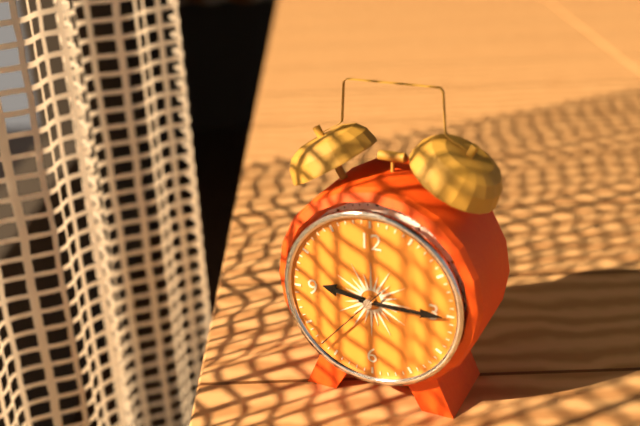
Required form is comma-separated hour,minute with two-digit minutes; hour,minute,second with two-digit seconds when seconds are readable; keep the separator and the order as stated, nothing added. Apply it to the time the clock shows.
9,15,37
